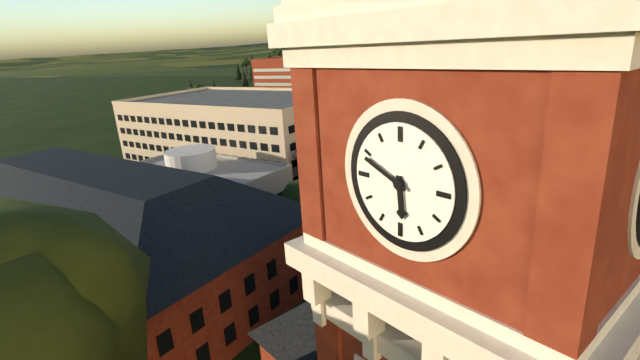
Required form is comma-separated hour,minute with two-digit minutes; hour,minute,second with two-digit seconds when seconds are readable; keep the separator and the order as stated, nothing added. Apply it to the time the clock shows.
5,49
